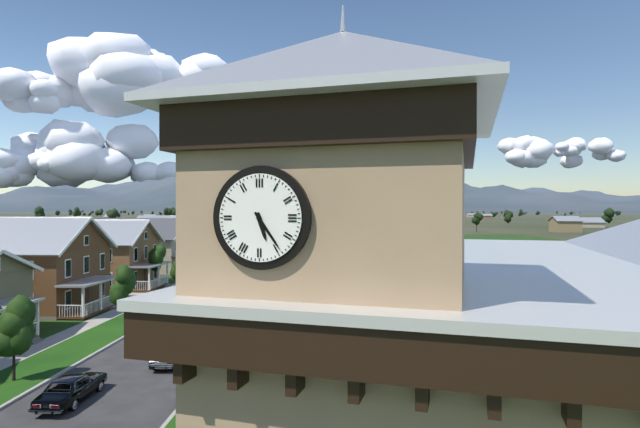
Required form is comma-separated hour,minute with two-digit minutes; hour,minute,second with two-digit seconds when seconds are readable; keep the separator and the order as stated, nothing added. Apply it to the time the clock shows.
5,24
